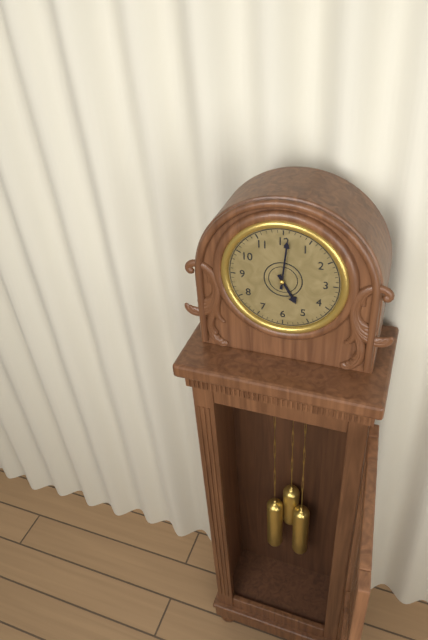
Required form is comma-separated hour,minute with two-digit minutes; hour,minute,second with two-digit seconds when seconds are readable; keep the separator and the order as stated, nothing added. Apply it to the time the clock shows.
5,01
